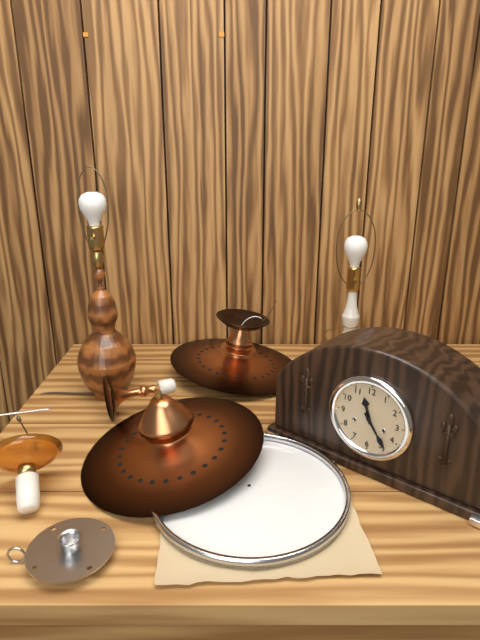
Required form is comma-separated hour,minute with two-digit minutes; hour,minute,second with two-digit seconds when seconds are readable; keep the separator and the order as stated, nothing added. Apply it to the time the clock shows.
11,24
